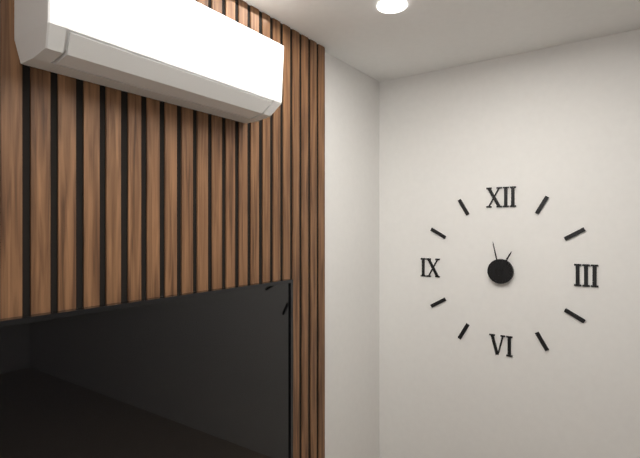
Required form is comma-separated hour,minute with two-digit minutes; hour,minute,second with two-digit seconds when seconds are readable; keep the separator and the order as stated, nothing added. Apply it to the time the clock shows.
12,58
